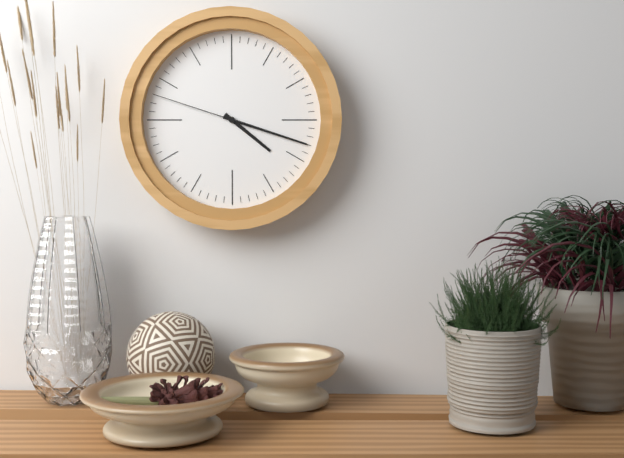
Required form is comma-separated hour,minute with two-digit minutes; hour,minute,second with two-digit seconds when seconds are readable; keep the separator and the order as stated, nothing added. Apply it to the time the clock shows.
4,18,48
